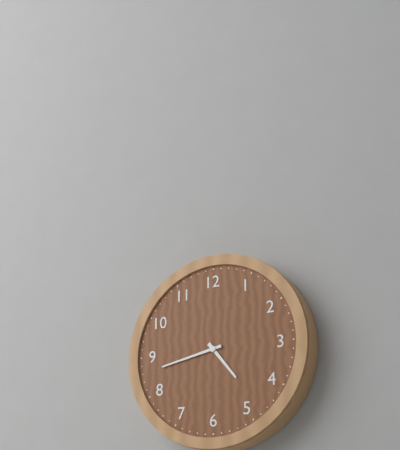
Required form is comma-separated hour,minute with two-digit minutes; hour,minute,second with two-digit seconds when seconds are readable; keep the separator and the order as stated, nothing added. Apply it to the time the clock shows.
4,43
